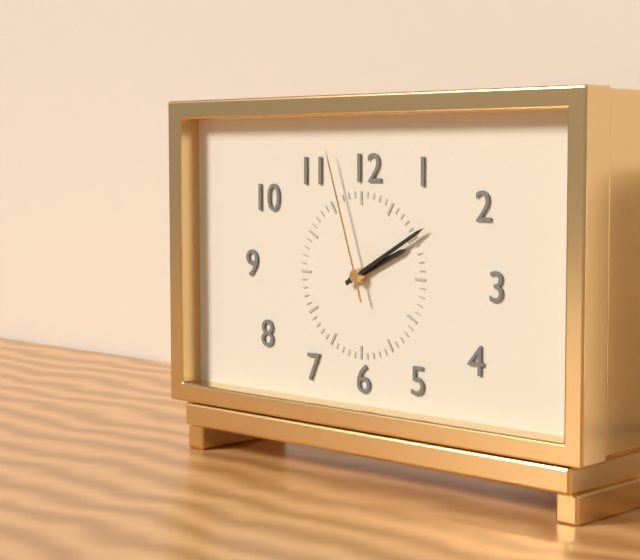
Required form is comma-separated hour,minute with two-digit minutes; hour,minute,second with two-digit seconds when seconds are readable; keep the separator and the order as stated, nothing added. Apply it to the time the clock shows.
2,10,57
